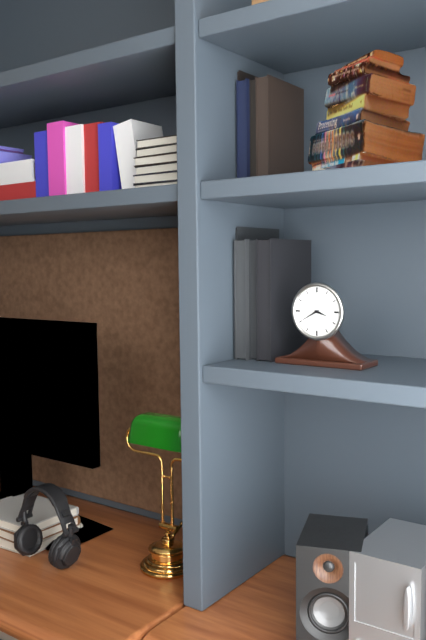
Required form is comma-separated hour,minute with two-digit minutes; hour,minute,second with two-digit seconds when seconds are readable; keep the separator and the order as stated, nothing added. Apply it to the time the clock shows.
3,40
